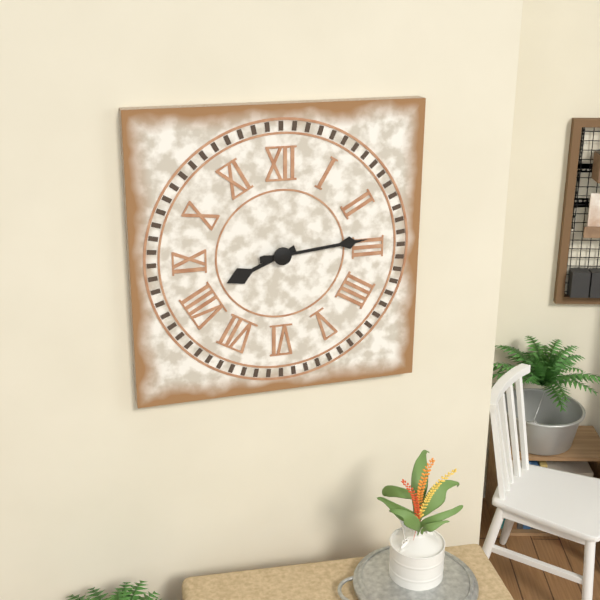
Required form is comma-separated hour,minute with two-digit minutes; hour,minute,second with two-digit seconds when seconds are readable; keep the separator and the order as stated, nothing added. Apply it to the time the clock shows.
8,14
